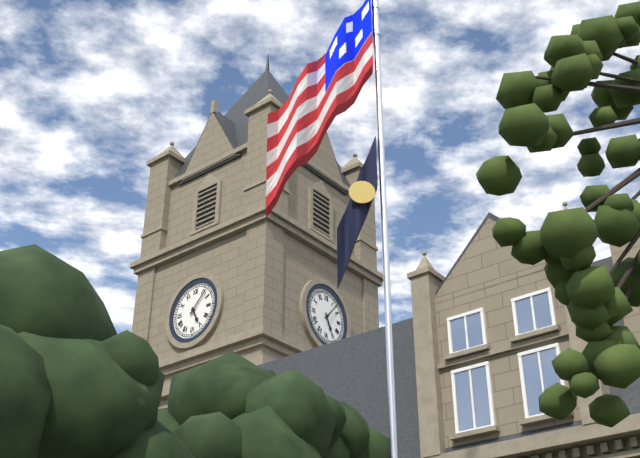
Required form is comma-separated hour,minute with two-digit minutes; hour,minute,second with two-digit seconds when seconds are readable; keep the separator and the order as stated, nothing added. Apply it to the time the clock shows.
5,07
